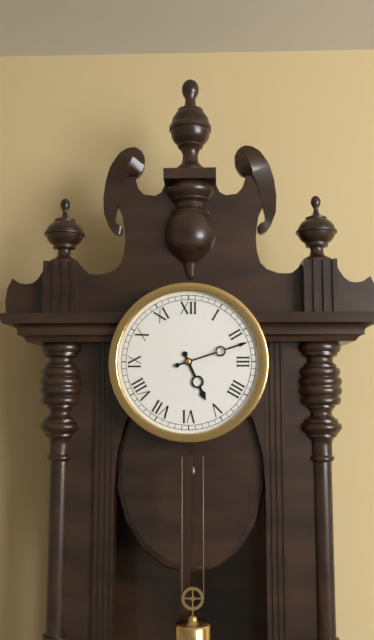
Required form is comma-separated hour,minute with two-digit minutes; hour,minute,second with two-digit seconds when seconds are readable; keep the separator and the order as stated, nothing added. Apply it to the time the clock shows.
5,12
